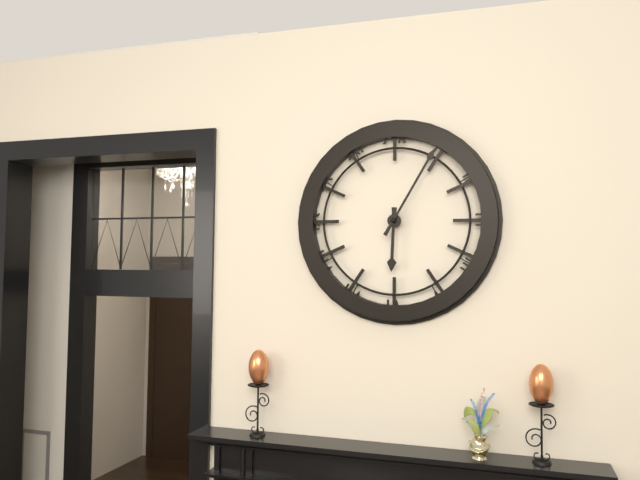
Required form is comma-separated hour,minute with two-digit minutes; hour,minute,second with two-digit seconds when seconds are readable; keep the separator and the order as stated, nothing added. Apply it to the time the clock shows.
6,05
